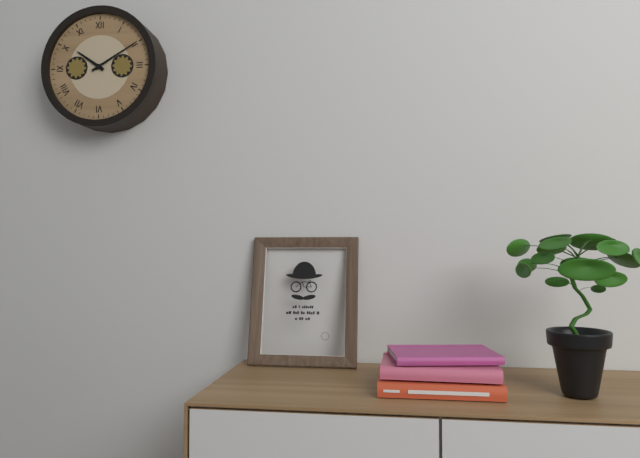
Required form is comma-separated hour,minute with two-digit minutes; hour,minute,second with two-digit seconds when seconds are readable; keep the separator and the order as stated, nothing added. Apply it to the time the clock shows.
10,10
